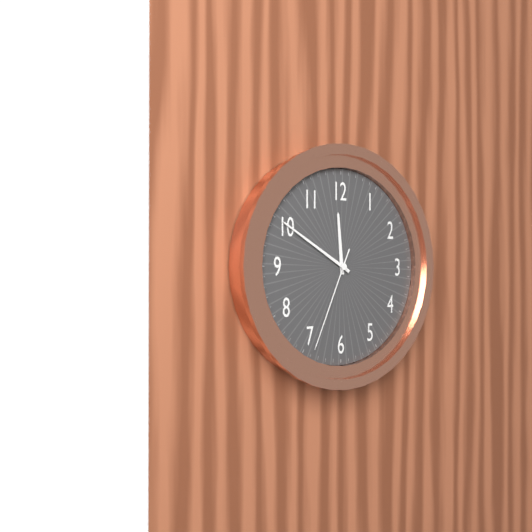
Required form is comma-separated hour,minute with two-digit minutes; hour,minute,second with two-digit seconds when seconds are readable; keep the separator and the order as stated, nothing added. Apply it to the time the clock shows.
11,50,34
